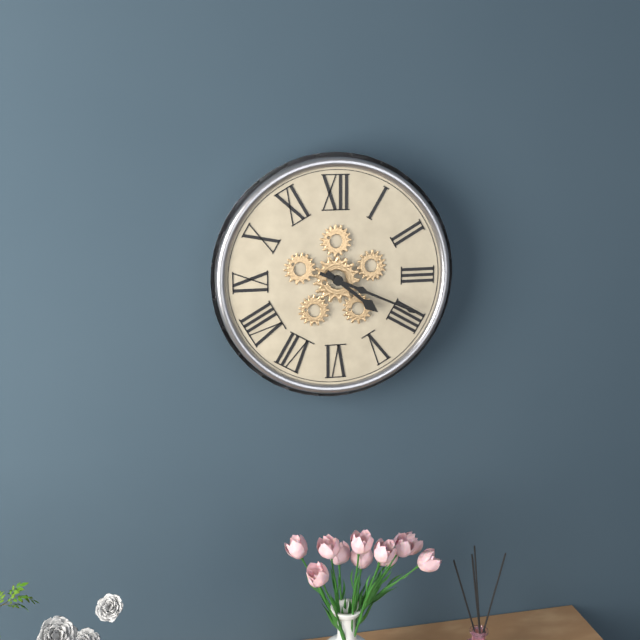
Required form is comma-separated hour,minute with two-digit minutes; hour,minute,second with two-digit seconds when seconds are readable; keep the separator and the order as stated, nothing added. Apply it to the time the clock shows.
4,19
